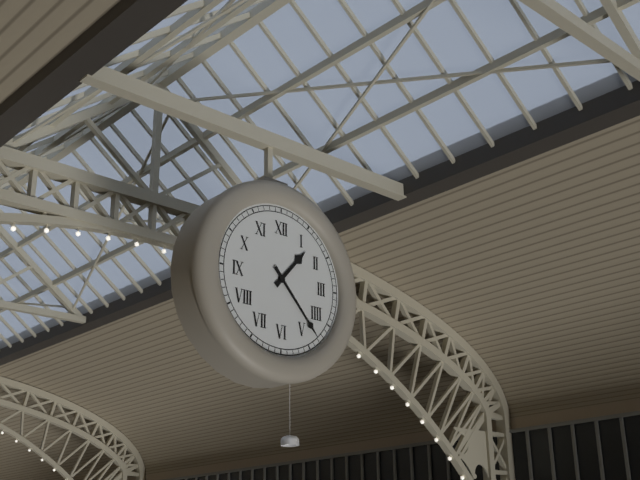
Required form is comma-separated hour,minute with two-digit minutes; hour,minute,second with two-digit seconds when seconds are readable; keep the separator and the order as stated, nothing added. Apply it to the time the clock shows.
1,23
